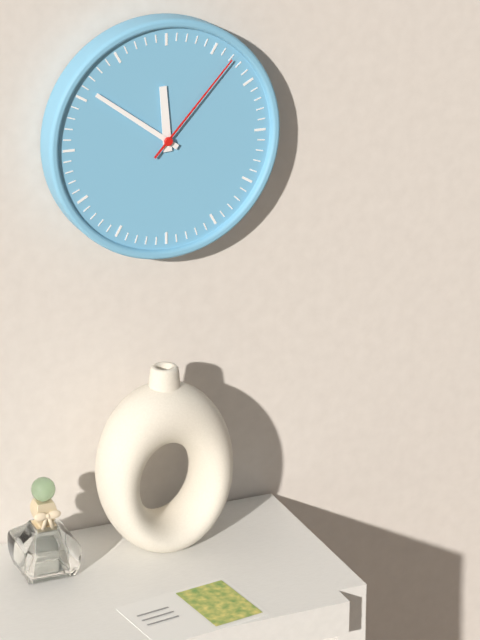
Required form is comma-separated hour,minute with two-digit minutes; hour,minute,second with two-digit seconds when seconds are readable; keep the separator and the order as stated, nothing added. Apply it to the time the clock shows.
11,51,07
